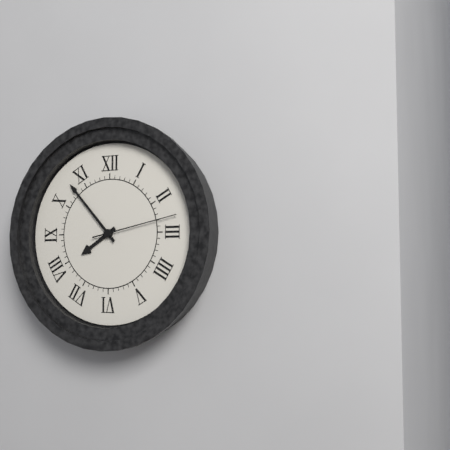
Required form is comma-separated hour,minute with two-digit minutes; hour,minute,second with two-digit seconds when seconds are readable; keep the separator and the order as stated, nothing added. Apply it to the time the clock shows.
7,53,13
